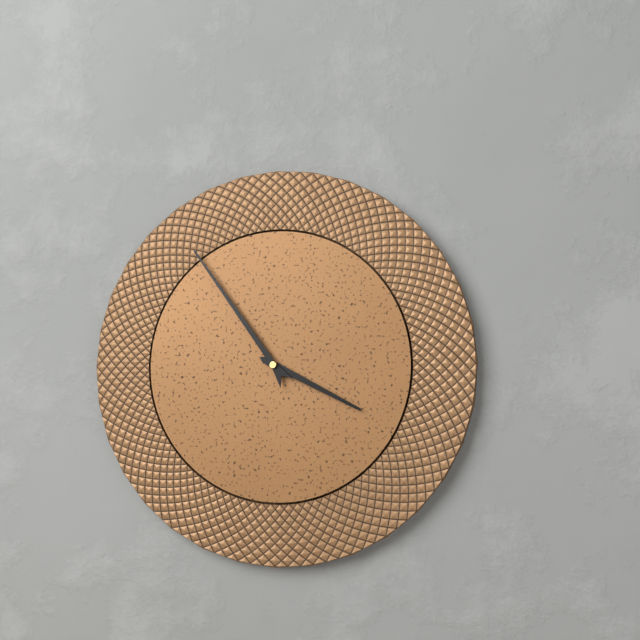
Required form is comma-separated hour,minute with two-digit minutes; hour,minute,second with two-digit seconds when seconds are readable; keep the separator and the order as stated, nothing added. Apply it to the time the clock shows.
3,54
